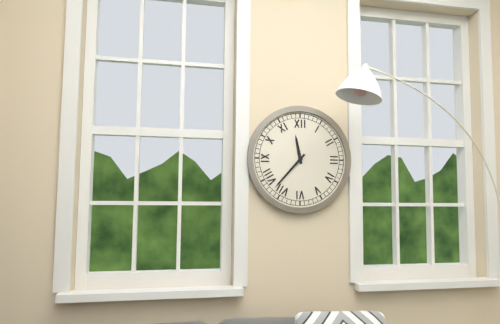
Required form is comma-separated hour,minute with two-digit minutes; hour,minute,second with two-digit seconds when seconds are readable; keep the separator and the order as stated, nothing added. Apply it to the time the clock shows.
11,37
